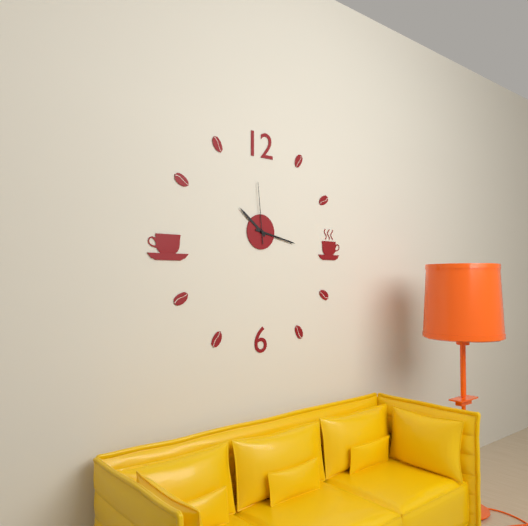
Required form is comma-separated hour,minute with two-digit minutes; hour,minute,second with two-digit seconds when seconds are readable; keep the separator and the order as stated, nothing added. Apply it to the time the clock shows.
10,17,59
